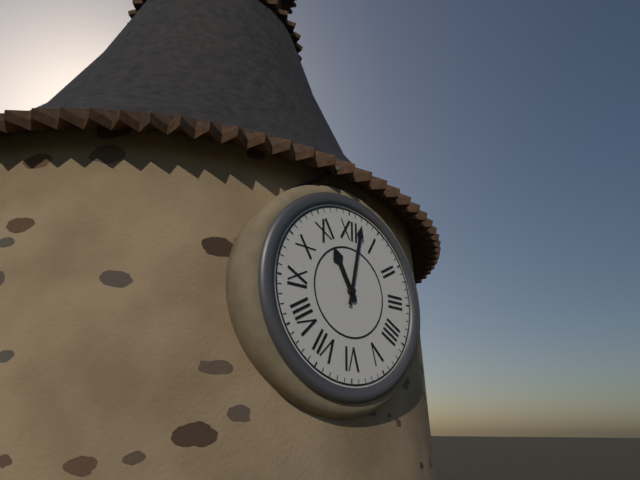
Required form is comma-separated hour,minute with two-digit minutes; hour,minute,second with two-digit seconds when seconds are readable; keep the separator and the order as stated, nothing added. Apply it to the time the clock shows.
11,02
